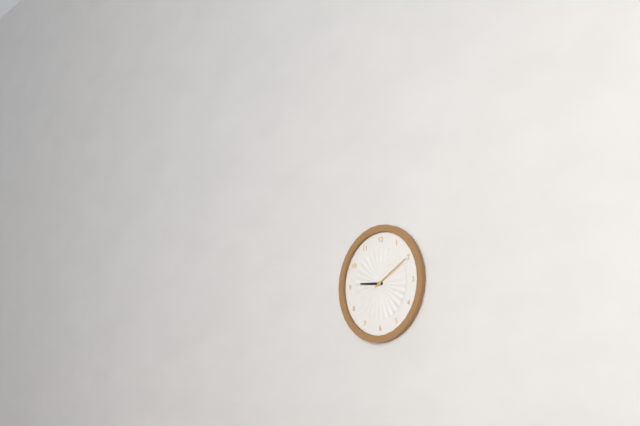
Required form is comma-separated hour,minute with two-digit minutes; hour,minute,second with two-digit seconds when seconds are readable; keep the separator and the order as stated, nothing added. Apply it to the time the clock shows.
9,10
